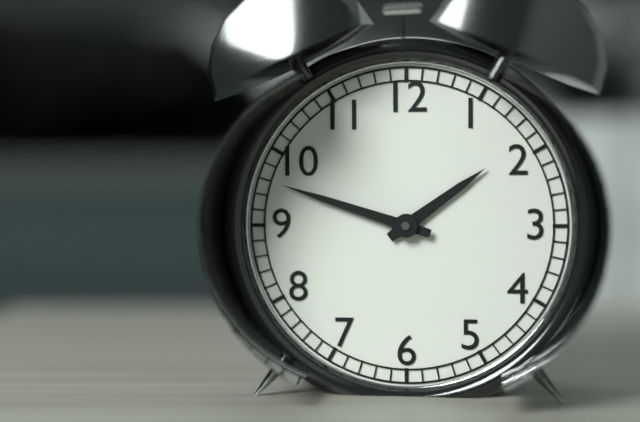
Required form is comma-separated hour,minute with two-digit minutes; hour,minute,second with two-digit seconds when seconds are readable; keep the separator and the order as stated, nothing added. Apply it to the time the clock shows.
1,48
